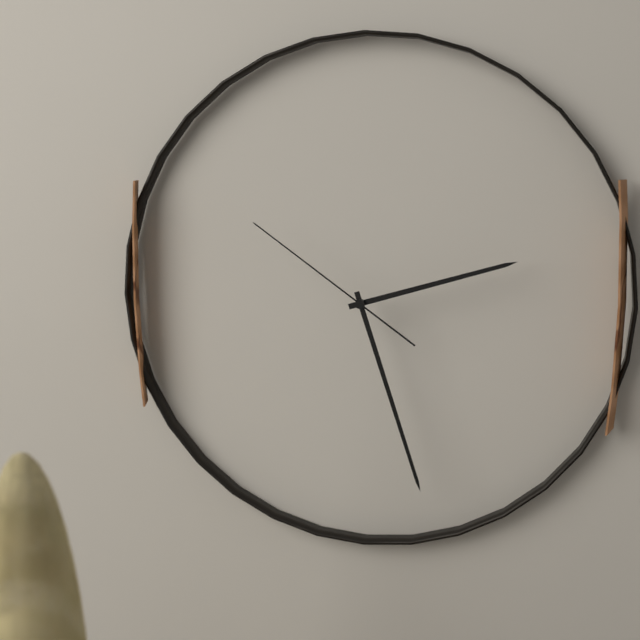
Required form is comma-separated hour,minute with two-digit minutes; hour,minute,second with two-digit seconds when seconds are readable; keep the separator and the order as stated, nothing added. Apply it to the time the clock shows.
2,27,51
